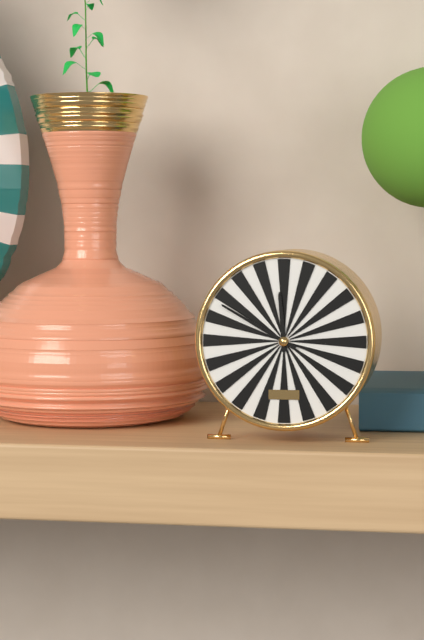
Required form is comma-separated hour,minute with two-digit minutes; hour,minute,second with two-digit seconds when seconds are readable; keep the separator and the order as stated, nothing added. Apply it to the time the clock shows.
11,50
